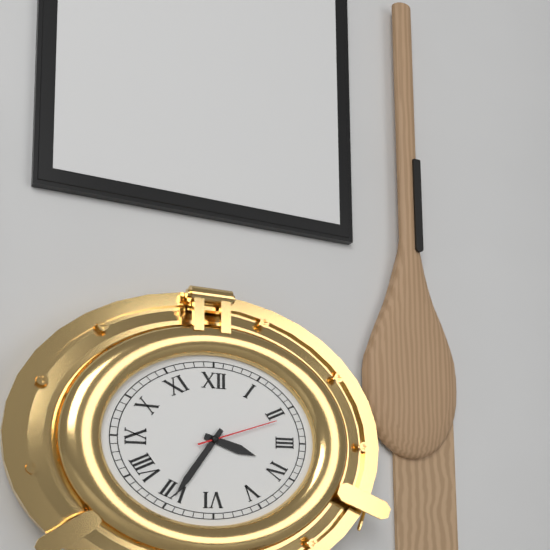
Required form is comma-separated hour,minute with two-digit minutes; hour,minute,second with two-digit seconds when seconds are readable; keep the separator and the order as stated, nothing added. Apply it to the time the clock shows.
3,36,12
